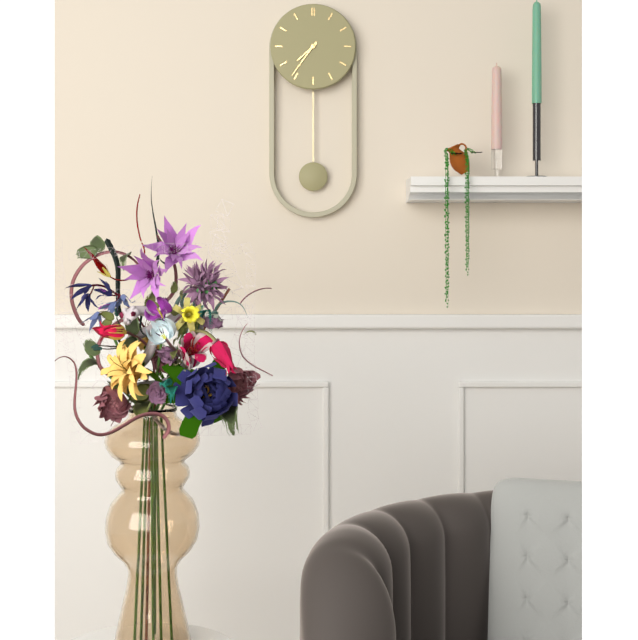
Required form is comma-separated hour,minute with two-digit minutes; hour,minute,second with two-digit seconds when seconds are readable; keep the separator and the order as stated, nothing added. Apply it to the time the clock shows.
7,36
